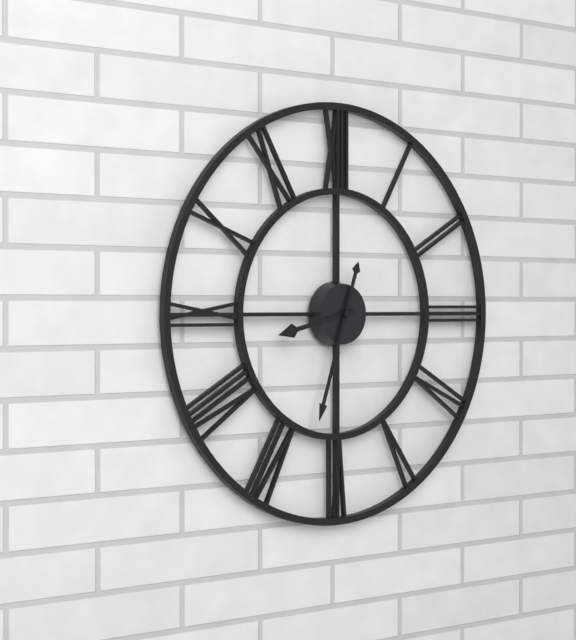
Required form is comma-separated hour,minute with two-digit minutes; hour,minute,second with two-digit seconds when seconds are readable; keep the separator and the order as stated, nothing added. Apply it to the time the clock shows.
8,33
